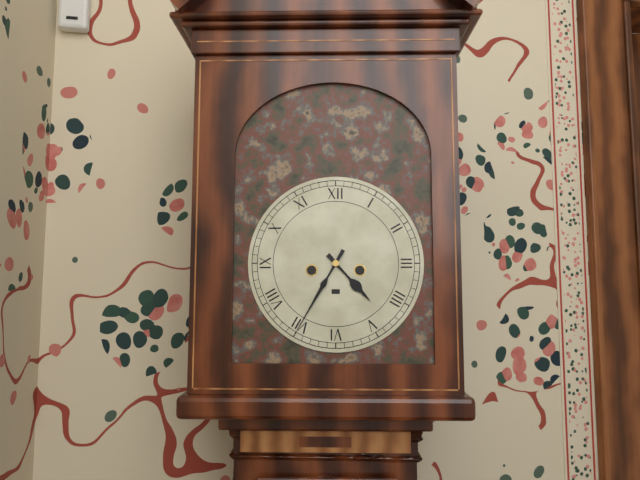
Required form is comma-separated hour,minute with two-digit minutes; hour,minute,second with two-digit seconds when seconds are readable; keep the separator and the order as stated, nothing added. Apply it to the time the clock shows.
4,35
